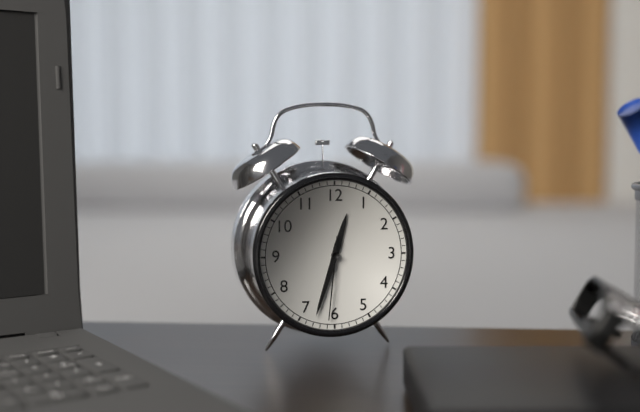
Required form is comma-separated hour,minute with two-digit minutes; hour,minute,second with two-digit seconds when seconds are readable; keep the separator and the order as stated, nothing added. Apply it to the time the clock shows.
12,33,31
